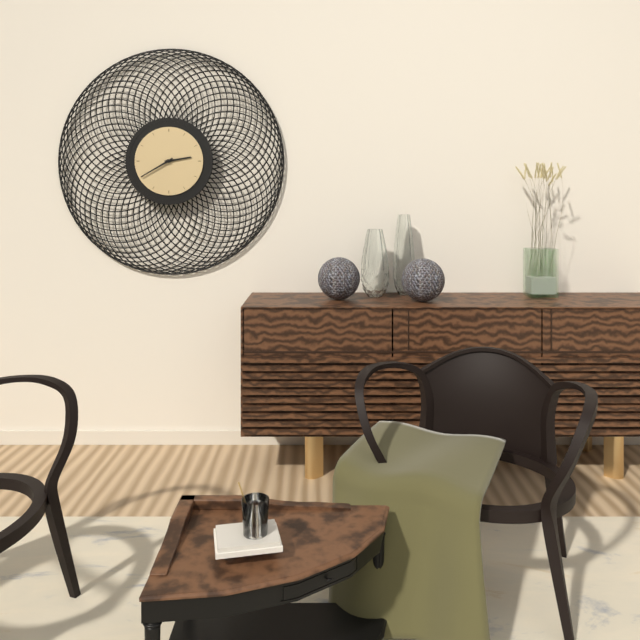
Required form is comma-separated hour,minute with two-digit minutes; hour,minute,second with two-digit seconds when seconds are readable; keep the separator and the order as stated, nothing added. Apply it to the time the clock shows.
2,40
